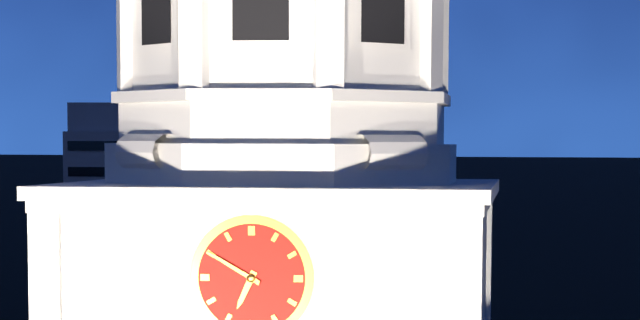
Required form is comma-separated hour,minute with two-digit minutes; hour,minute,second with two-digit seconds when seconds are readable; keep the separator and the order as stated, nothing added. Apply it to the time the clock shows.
6,50
